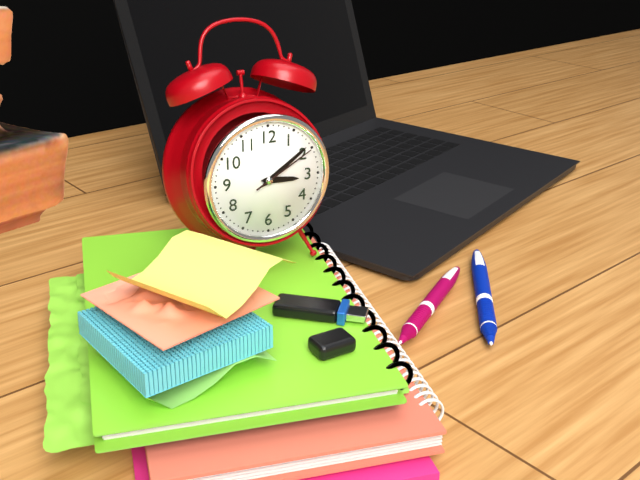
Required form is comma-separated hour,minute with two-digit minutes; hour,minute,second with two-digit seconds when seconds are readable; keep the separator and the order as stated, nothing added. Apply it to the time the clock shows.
3,09,10
